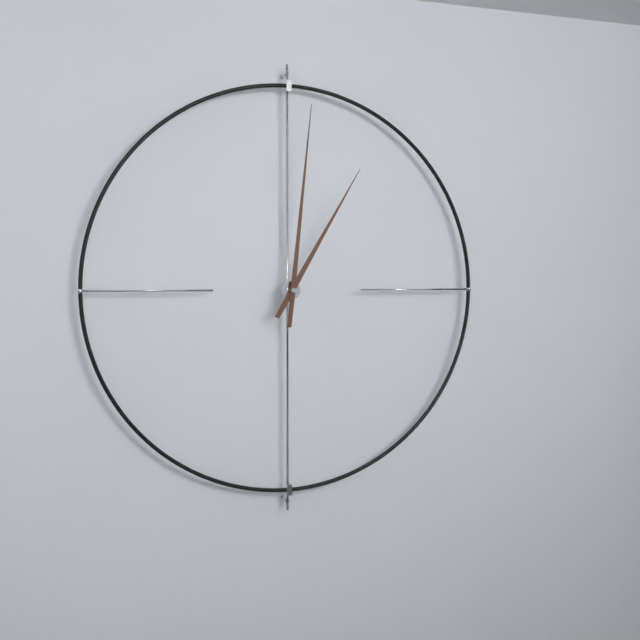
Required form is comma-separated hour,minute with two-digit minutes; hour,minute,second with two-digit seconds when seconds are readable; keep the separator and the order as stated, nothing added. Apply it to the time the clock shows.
1,01
